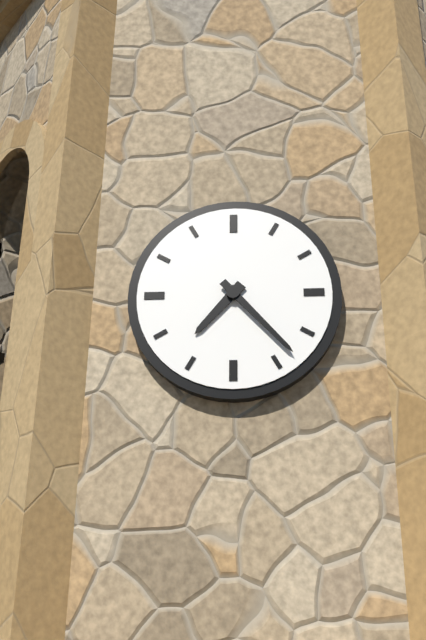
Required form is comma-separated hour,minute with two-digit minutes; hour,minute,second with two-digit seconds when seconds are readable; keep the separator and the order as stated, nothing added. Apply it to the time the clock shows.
7,23
